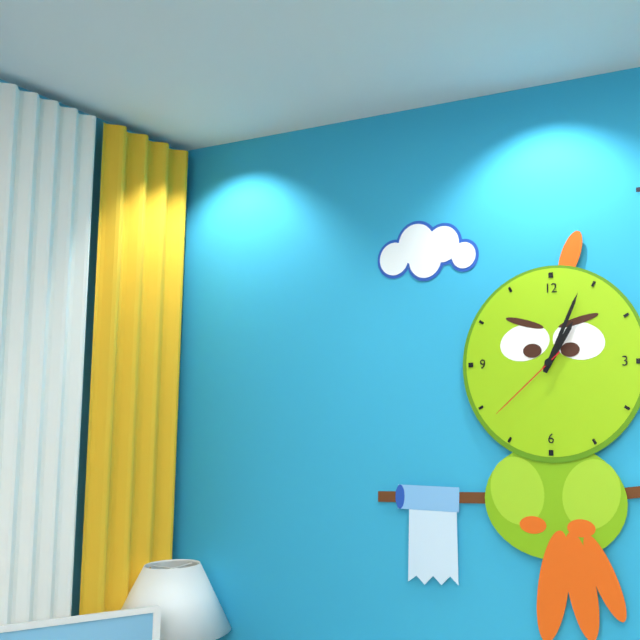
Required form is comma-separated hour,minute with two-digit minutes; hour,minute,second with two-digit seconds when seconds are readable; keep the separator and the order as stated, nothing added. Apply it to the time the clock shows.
1,04,38
